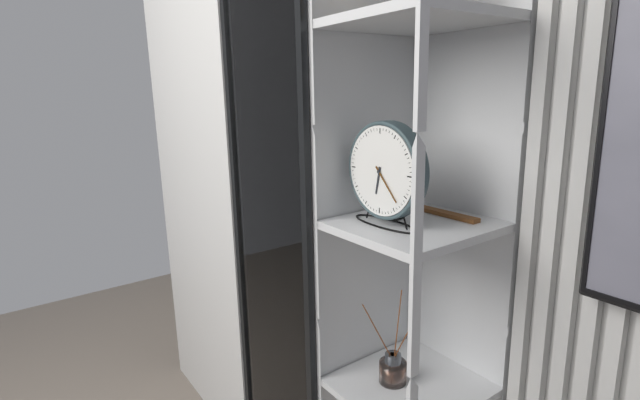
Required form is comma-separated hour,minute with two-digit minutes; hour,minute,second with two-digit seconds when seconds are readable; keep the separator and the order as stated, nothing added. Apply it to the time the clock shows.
6,23
